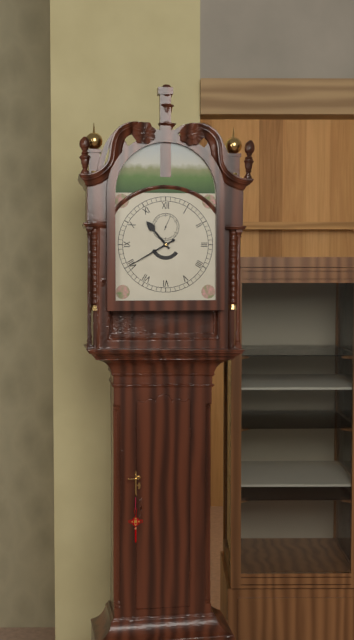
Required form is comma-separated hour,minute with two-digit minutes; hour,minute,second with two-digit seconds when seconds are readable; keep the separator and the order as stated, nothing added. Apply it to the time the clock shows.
10,40
